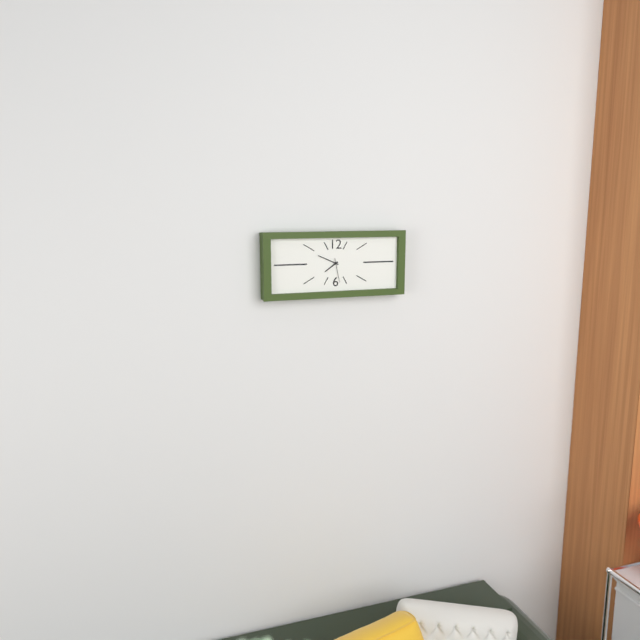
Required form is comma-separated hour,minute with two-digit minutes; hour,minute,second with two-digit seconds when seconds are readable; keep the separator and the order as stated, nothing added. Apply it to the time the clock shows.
7,49
